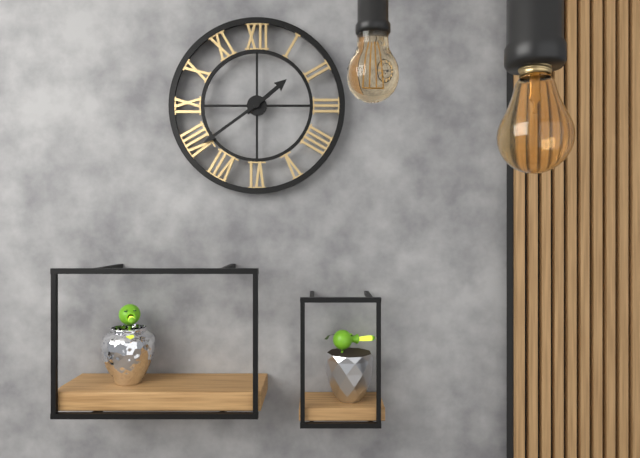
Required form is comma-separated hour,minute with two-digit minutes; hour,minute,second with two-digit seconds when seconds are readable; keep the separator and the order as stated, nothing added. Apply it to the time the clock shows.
1,39
